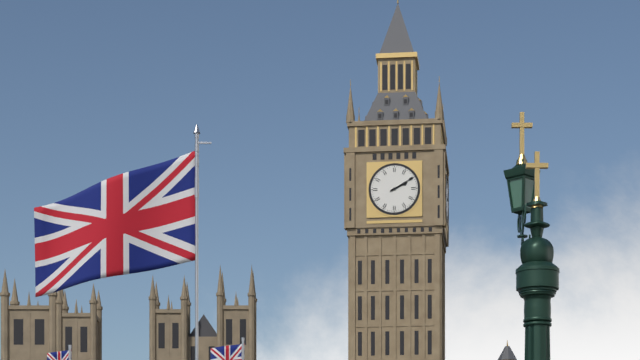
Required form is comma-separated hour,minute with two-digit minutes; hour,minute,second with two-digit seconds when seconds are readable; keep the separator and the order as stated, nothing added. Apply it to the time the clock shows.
2,10
